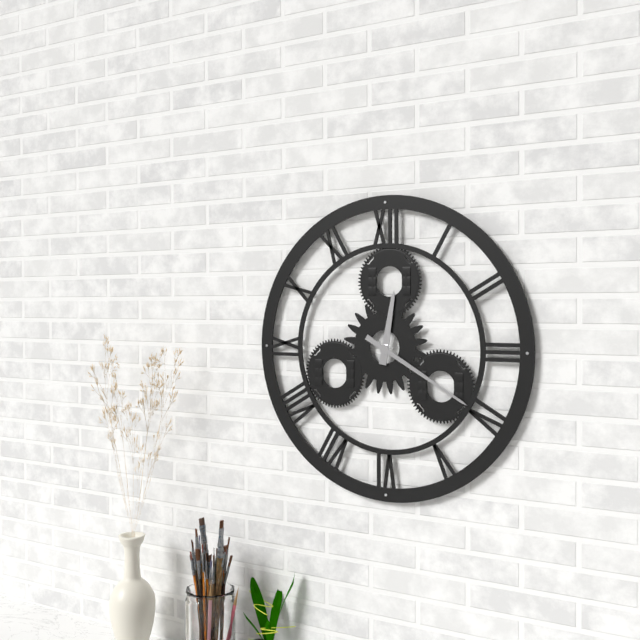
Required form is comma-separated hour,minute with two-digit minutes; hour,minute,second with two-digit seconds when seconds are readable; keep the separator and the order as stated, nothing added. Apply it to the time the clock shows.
12,20
